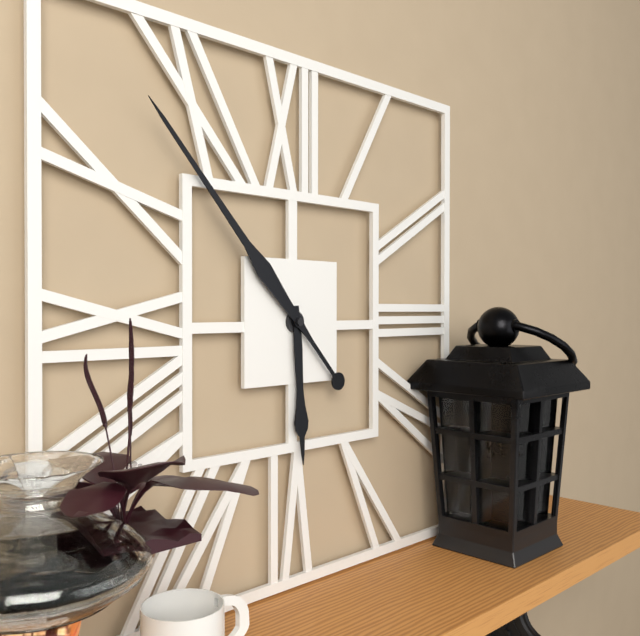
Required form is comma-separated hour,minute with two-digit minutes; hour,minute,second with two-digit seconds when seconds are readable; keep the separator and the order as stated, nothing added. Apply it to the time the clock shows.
5,53
